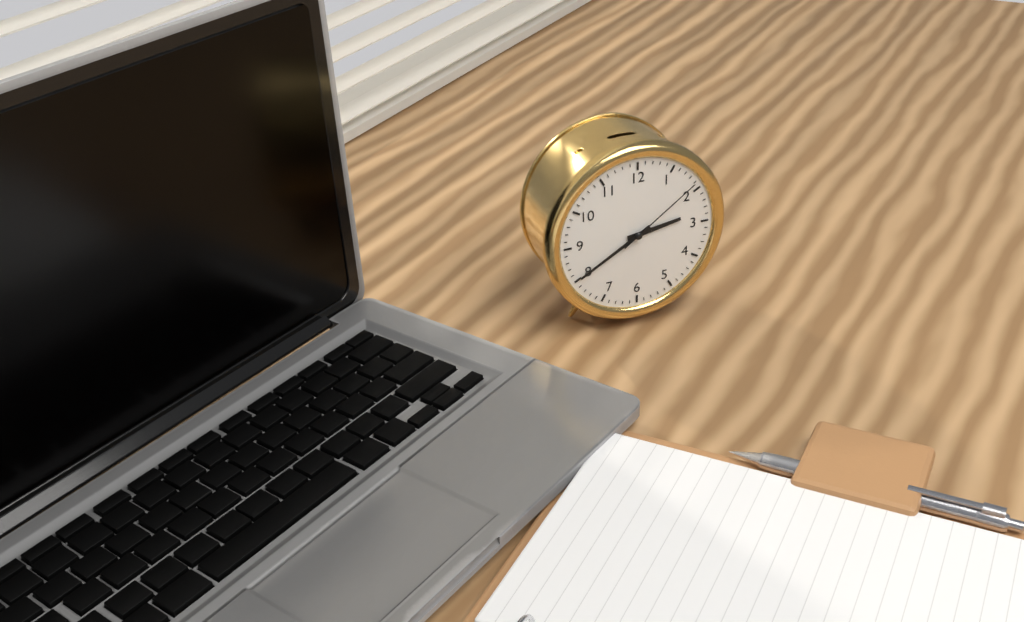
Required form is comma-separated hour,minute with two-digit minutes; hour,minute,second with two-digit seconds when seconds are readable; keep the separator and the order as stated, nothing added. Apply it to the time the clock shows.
2,40,09
